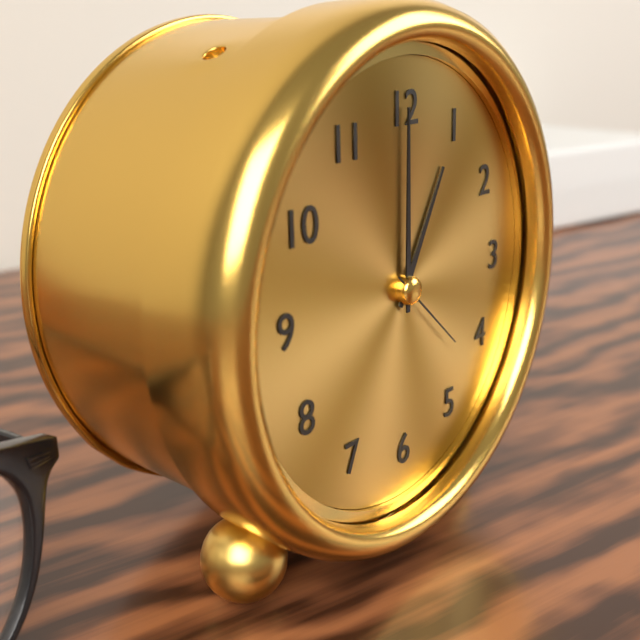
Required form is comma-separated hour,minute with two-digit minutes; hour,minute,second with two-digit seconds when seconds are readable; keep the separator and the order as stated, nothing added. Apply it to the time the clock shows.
1,00,22
